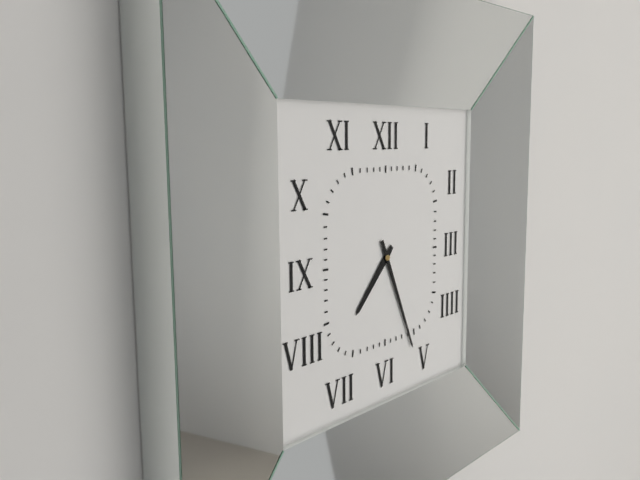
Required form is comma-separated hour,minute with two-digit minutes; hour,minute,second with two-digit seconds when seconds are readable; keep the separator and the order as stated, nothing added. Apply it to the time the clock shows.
7,26
